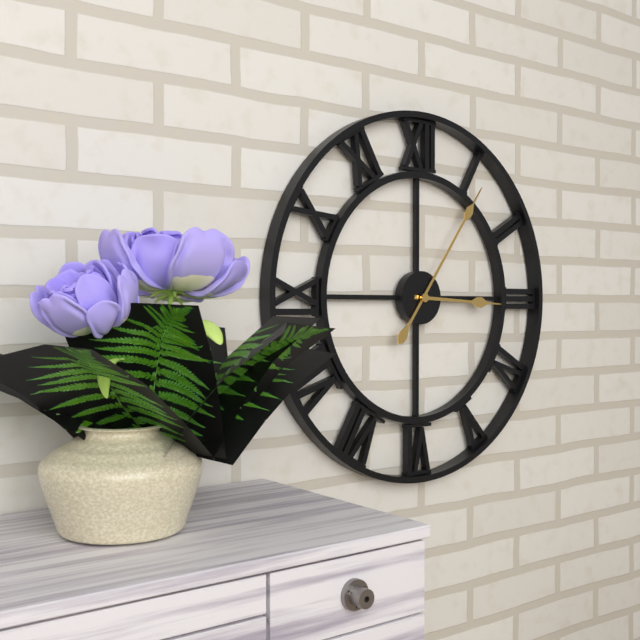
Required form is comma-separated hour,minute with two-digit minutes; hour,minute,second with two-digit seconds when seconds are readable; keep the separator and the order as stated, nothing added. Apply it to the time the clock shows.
3,06
